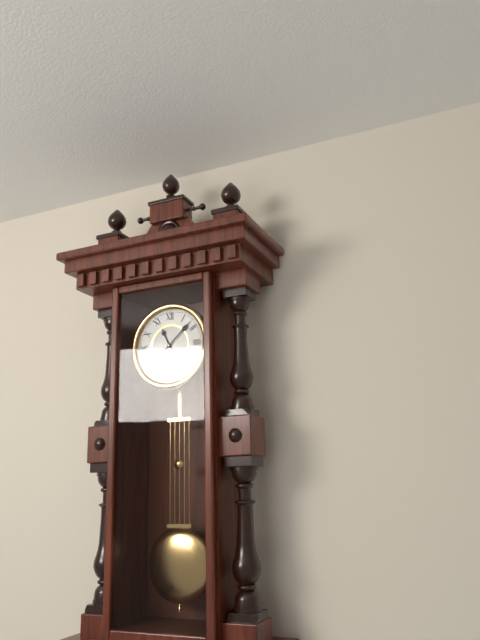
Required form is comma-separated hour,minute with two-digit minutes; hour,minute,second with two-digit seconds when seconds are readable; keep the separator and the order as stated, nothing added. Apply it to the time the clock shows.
11,08
